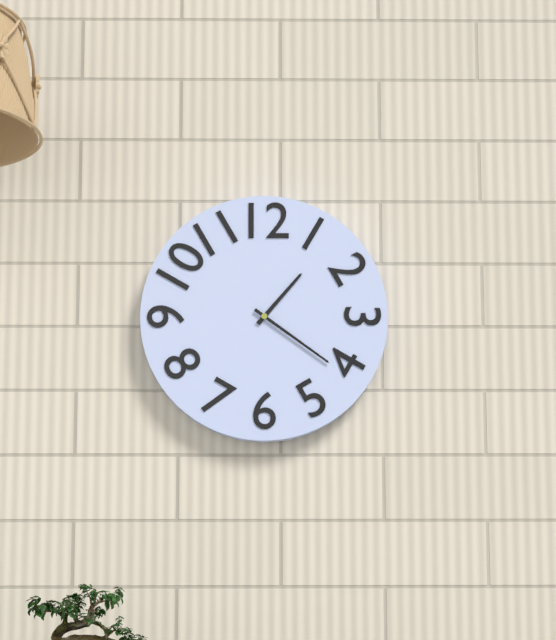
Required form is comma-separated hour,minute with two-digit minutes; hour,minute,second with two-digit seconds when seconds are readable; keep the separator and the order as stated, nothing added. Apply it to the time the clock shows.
1,21
